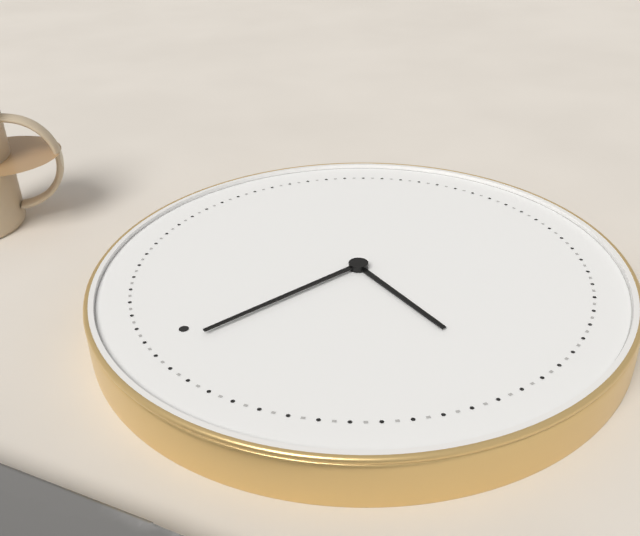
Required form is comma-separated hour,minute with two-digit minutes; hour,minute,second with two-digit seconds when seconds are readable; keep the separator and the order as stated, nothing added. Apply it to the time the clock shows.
8,59
